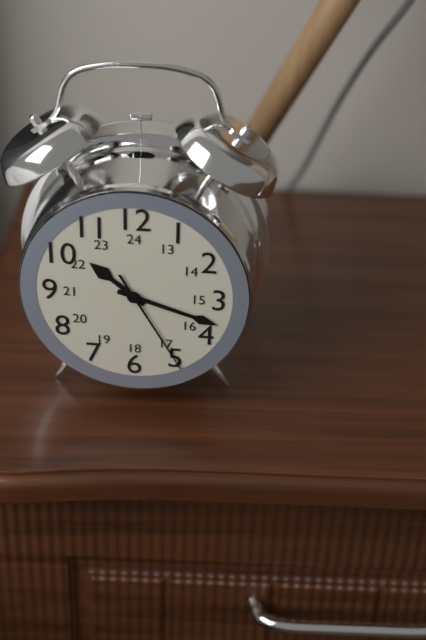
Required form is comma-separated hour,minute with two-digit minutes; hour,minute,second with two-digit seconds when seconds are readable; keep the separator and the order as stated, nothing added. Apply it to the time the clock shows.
10,18,25
